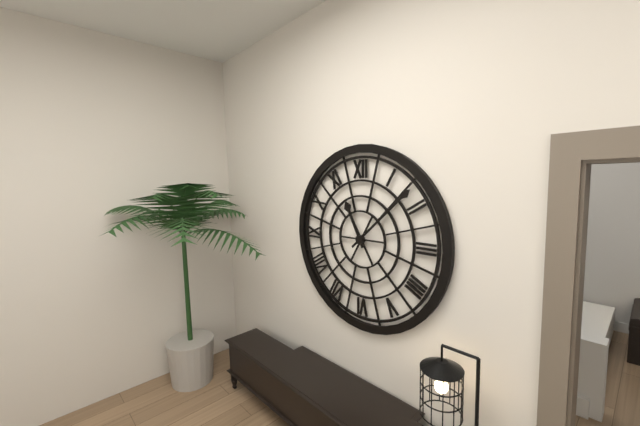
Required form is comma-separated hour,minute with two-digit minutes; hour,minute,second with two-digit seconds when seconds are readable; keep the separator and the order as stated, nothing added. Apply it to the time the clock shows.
11,08
